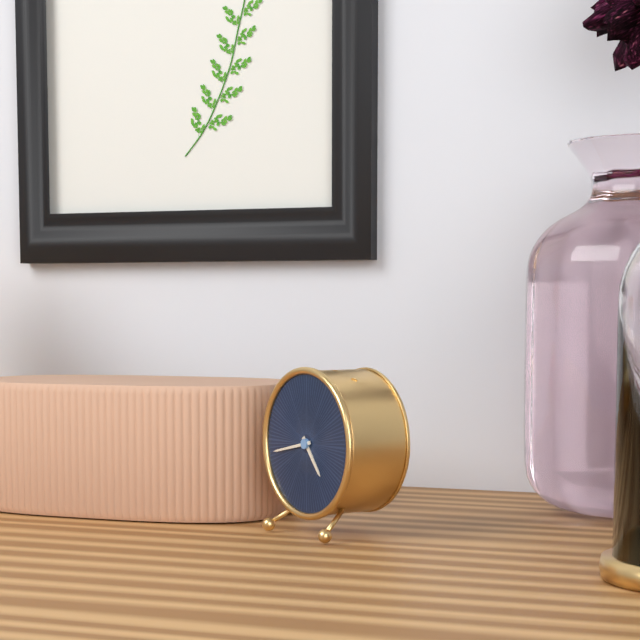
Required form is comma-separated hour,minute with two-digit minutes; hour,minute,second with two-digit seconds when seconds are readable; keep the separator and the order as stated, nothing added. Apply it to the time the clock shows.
4,43
